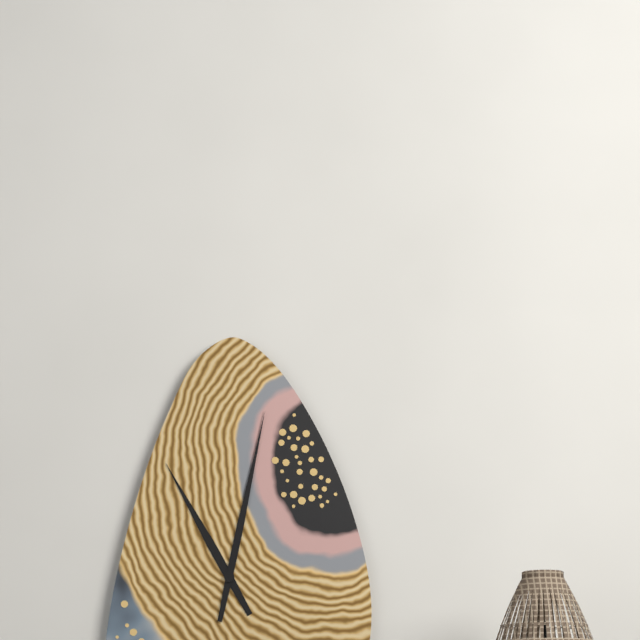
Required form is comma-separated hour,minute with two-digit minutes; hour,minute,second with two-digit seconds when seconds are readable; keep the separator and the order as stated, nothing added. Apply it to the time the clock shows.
11,02
